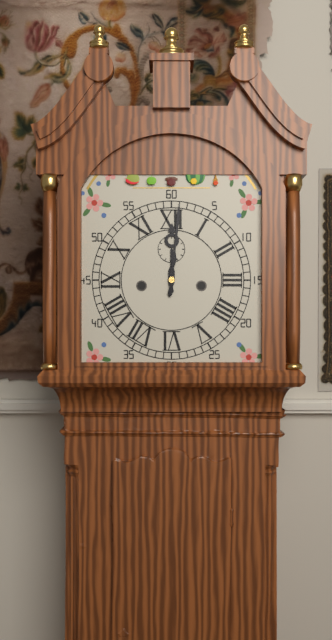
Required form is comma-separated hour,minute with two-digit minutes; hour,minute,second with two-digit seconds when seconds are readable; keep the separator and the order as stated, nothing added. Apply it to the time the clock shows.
12,01
